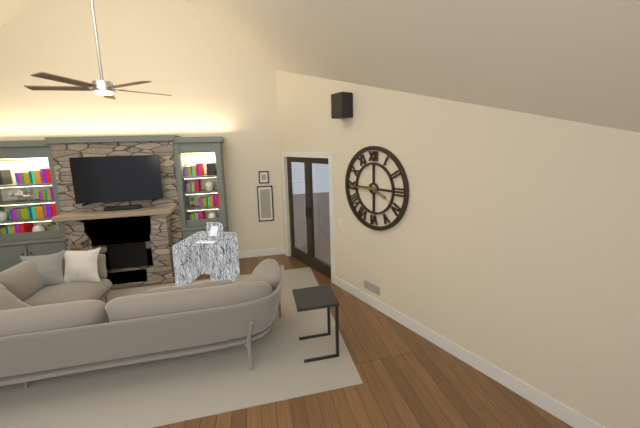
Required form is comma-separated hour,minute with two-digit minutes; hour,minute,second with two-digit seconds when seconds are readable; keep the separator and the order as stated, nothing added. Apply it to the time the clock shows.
3,45
